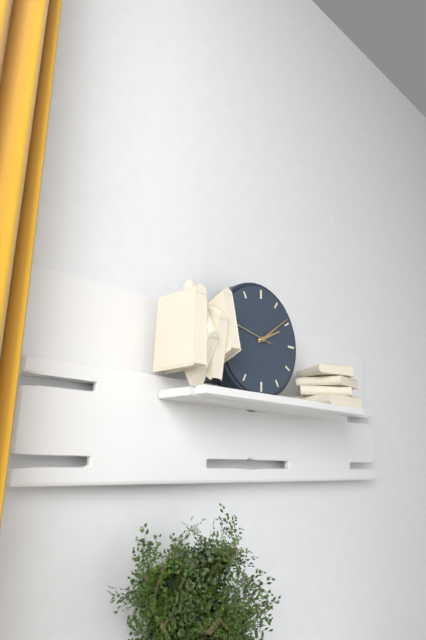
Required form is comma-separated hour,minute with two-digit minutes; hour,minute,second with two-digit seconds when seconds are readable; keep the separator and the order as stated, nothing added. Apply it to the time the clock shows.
2,09,47
